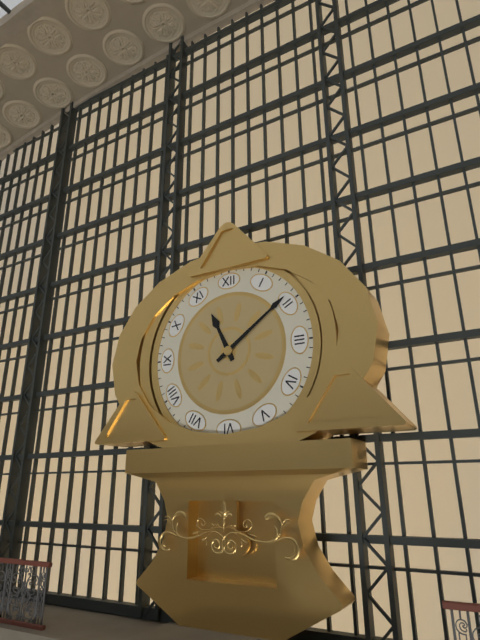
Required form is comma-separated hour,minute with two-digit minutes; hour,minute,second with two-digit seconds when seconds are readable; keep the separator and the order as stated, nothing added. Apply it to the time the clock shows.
11,09
